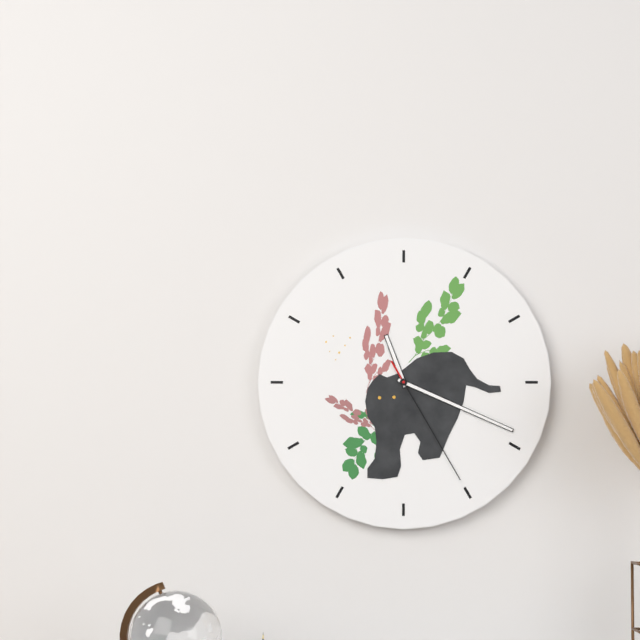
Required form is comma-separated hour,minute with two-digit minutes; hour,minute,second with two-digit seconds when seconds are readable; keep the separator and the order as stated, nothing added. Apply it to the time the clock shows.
11,19,25
